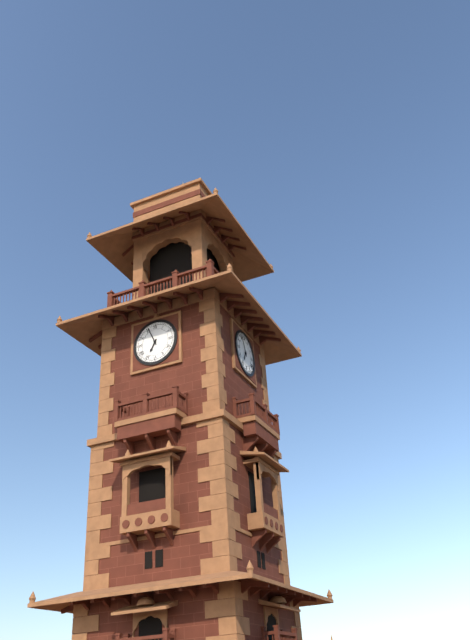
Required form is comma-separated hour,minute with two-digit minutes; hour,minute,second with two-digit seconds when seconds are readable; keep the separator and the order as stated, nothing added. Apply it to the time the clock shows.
6,56
